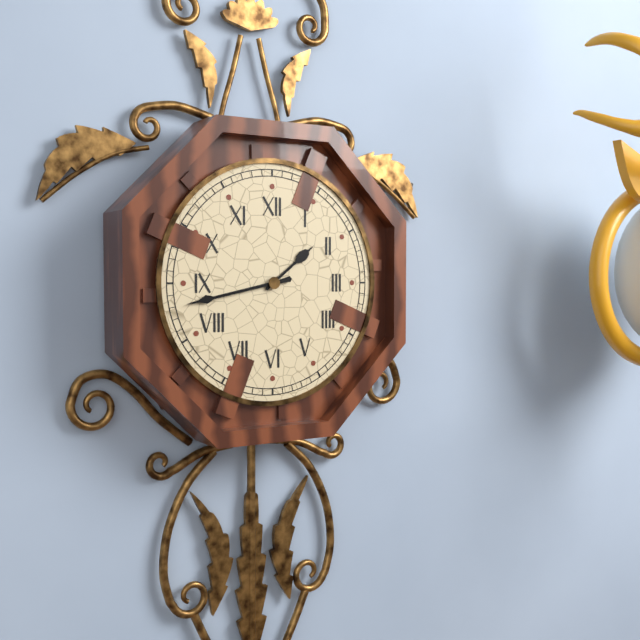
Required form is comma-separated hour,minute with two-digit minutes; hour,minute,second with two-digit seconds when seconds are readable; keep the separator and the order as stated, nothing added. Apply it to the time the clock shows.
1,43
